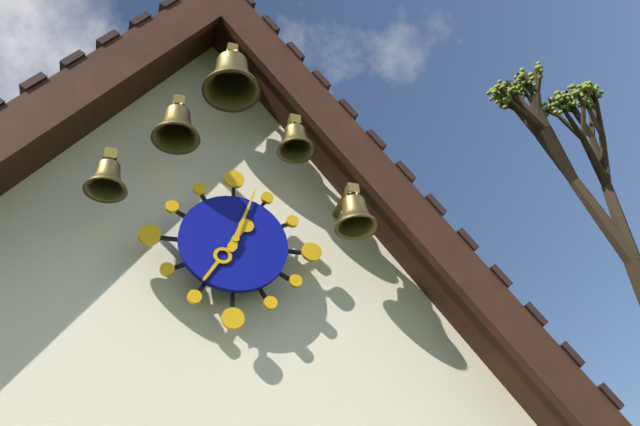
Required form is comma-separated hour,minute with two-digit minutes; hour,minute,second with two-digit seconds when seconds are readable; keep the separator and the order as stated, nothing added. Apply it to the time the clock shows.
7,03
